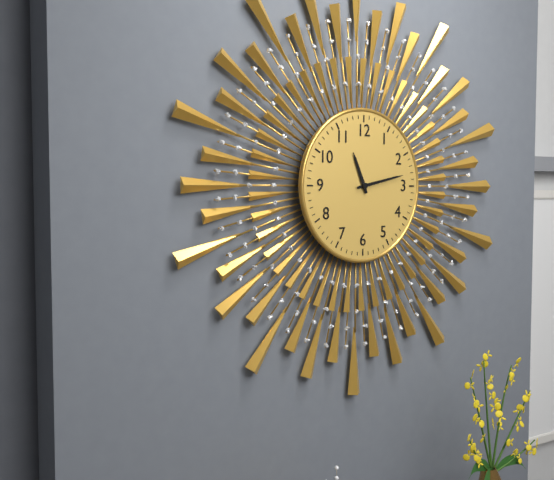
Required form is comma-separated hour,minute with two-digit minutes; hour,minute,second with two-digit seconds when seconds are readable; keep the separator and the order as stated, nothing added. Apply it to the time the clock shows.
11,13
